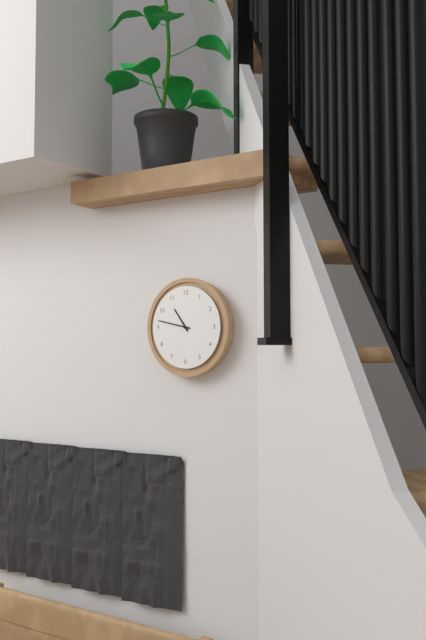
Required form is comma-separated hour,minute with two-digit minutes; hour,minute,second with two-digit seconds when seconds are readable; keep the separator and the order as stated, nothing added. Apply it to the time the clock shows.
10,47
